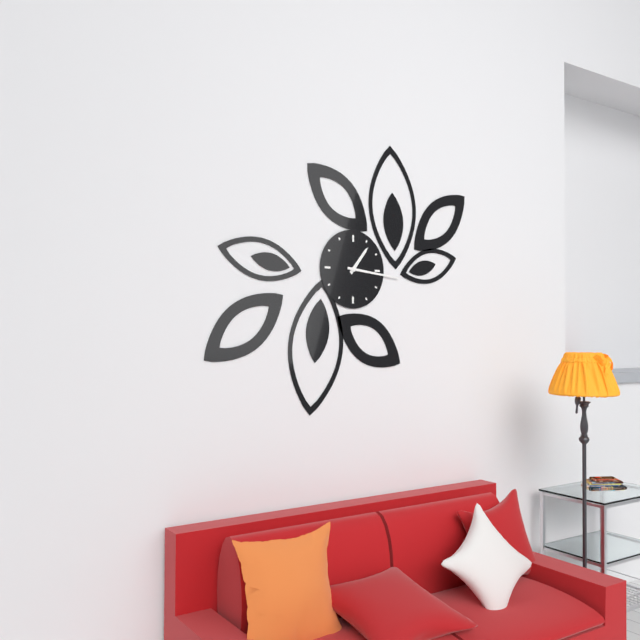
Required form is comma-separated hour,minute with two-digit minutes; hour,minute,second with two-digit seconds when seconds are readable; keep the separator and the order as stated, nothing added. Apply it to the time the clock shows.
1,16
